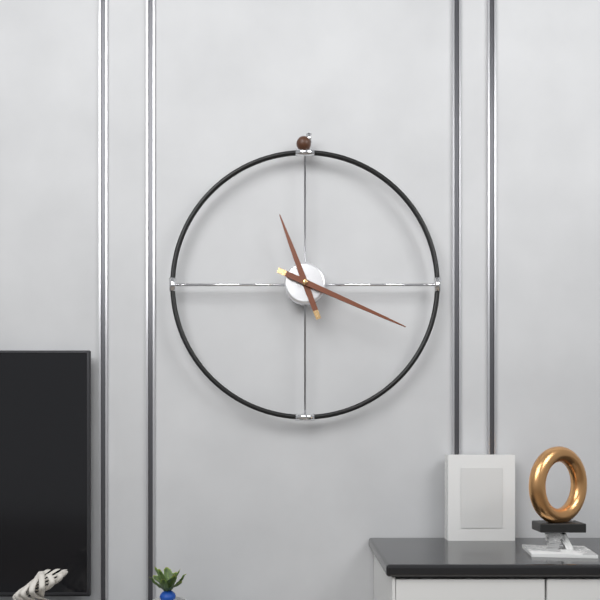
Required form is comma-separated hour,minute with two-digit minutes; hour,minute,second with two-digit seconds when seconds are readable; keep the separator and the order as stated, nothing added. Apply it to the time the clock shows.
11,19
